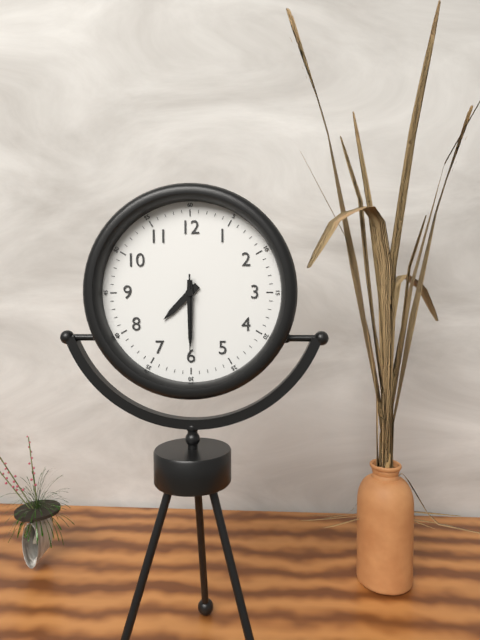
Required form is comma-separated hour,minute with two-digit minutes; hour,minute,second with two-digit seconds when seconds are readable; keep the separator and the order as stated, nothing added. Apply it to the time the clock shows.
7,30,30
